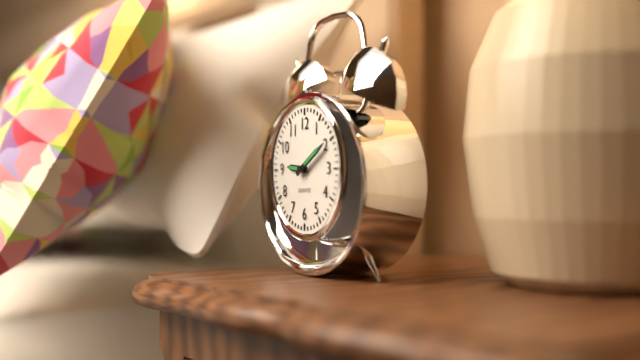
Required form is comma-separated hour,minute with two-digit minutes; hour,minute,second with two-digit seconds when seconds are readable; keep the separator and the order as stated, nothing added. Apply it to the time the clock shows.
9,10
